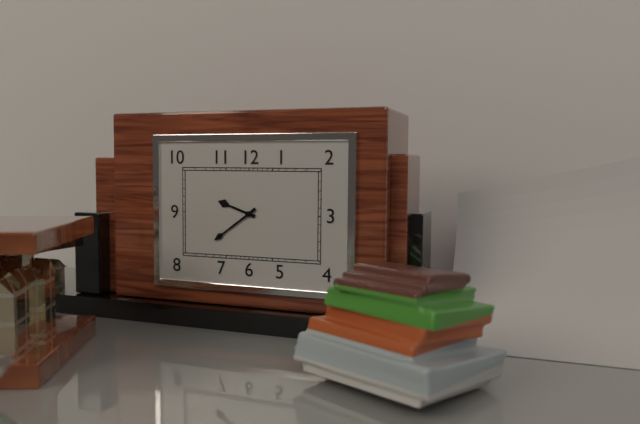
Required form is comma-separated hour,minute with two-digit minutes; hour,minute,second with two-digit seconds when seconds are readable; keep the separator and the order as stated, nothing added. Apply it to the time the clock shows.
9,39
